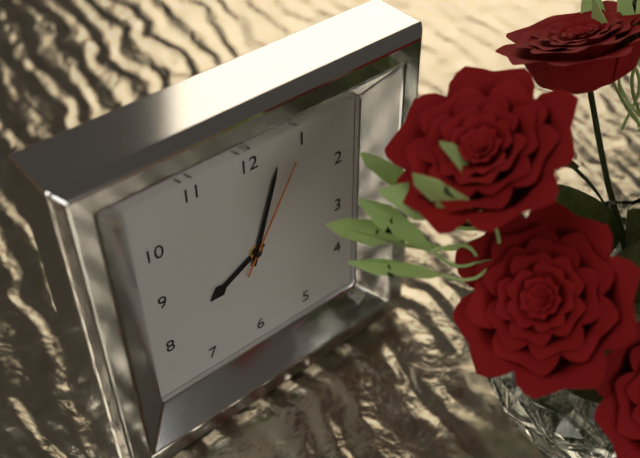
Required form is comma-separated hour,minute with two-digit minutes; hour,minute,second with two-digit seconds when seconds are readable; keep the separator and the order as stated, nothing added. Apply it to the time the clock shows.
8,03,05
